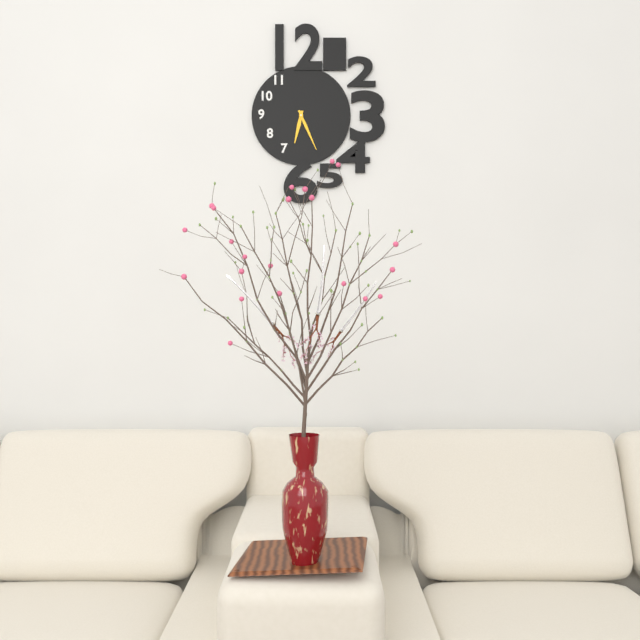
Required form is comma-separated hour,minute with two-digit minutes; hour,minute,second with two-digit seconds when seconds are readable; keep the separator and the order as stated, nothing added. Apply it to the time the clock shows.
6,26
